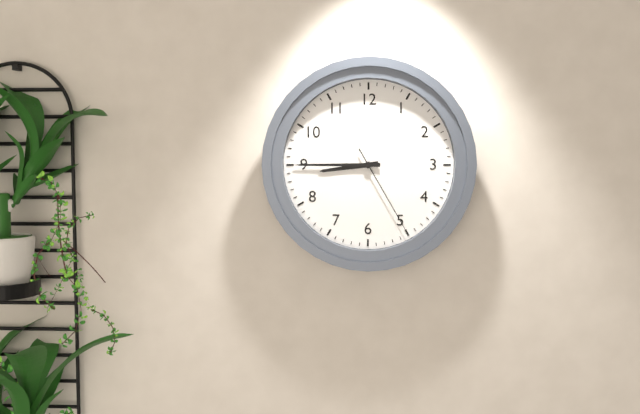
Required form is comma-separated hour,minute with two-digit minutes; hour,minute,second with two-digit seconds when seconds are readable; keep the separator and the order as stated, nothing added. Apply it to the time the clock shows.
8,45,25
